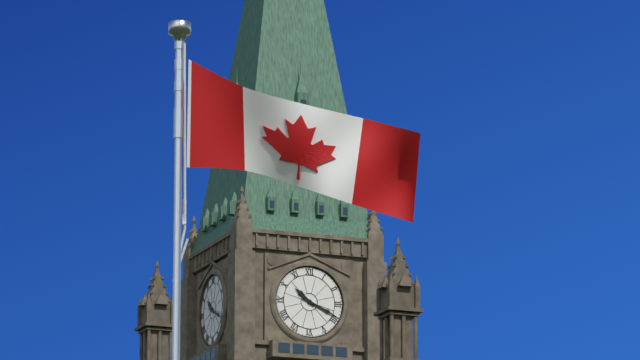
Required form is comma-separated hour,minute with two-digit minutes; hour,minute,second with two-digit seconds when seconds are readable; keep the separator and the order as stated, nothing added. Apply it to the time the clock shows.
10,19
